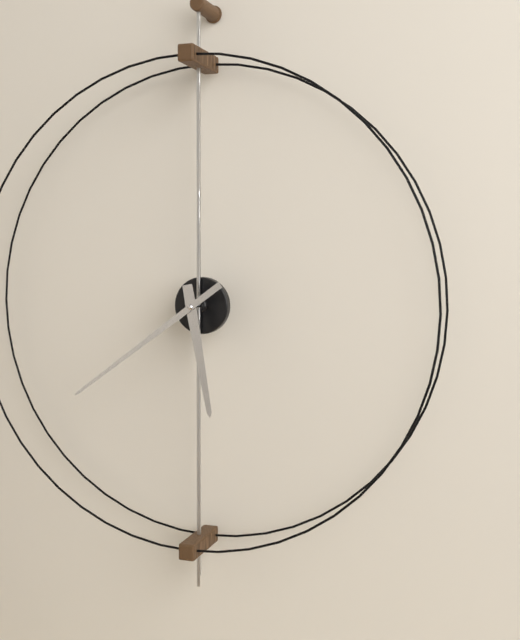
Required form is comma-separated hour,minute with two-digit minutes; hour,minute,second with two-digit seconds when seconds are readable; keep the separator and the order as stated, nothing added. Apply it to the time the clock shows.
5,39
